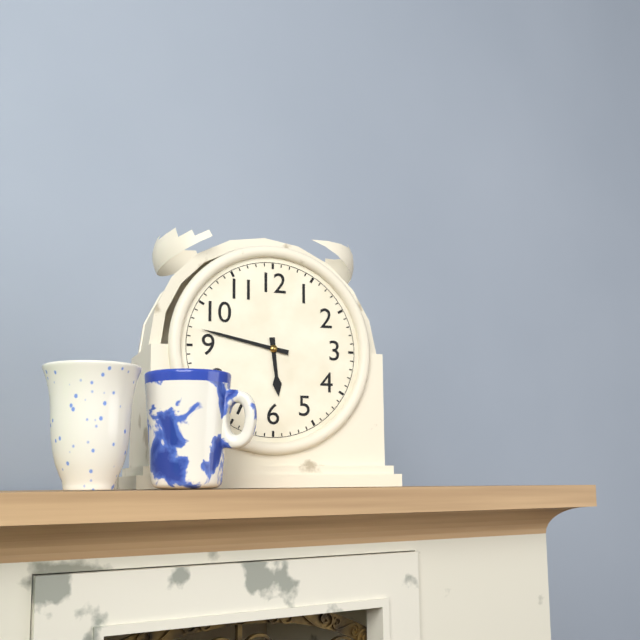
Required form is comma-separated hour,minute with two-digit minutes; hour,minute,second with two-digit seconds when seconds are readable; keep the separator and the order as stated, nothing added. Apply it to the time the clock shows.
5,47
